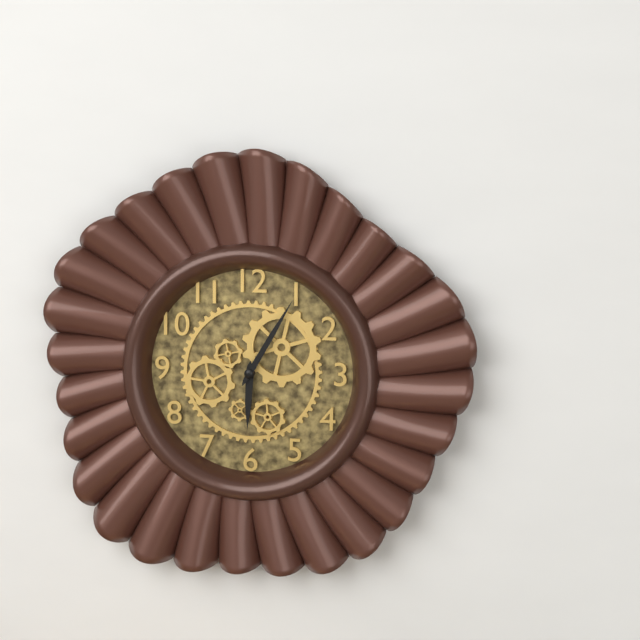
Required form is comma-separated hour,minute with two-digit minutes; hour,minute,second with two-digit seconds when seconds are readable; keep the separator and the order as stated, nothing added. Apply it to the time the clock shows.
6,05
